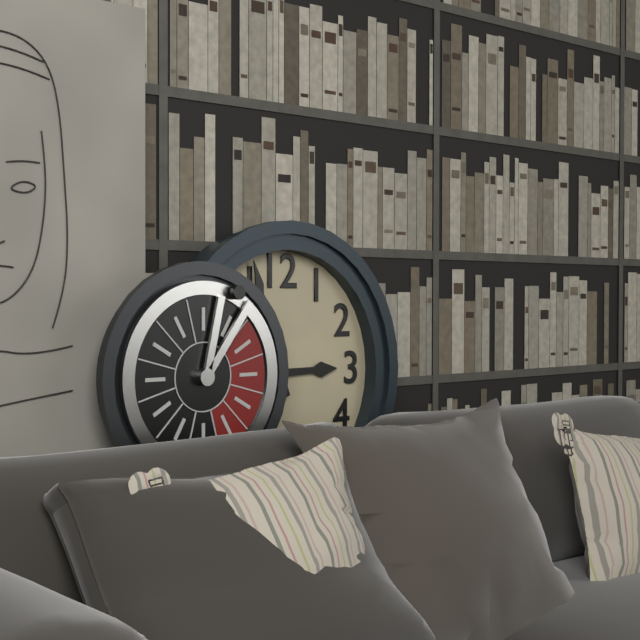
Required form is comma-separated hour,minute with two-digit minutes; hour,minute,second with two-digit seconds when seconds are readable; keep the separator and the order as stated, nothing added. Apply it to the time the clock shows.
2,57
